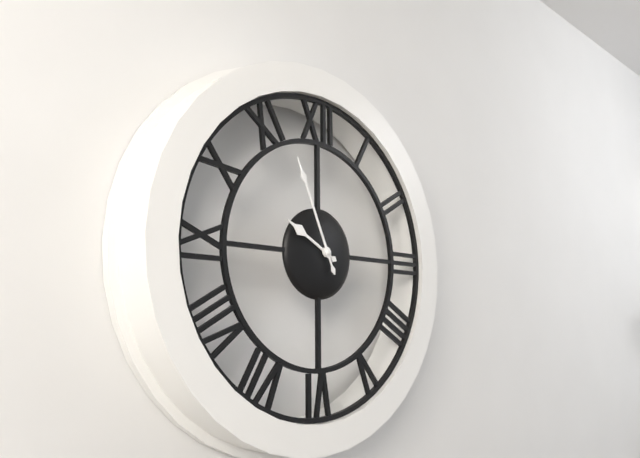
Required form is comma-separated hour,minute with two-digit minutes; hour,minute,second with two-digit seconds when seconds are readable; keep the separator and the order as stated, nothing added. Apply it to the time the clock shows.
9,56
